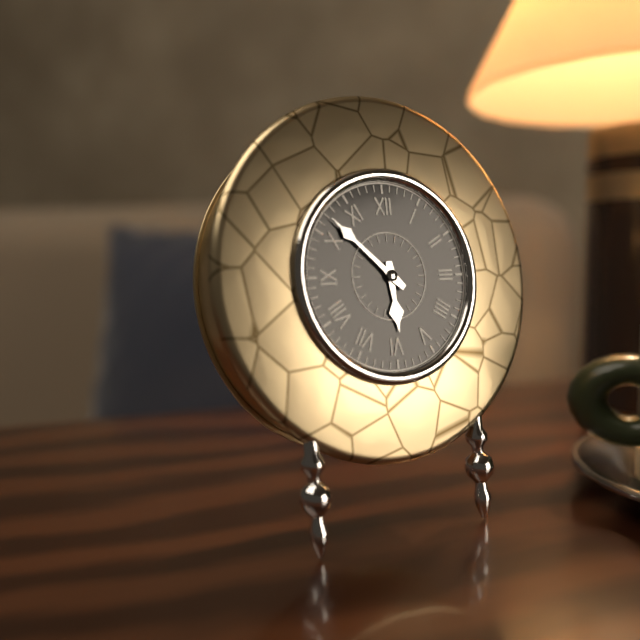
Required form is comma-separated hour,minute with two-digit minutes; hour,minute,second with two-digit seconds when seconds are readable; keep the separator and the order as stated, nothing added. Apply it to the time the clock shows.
5,52
